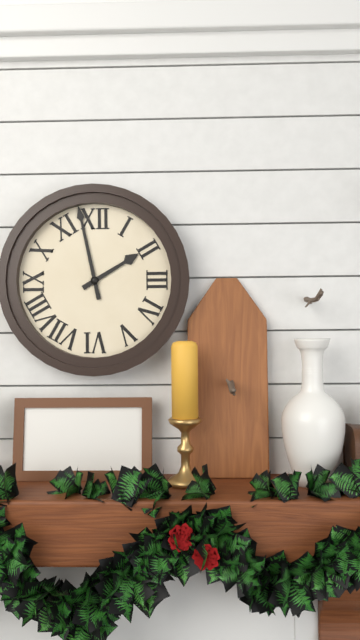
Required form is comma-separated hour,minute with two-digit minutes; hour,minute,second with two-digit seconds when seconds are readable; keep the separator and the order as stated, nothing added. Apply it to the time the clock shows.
1,58
